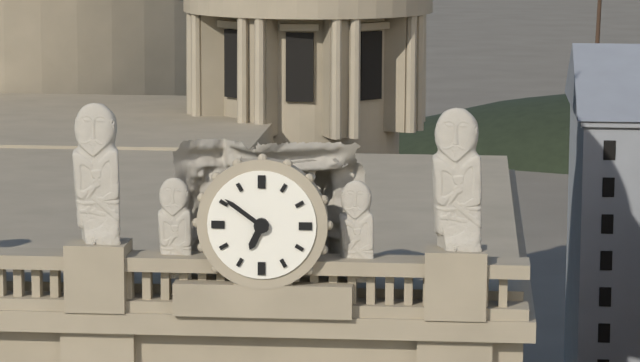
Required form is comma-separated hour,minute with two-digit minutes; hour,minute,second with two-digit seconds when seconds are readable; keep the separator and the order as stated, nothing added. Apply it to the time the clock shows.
6,51
